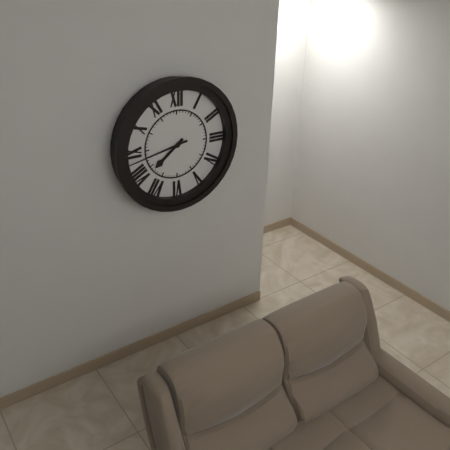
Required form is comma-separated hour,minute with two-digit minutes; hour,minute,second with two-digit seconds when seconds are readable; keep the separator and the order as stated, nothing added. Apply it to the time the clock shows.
7,43
